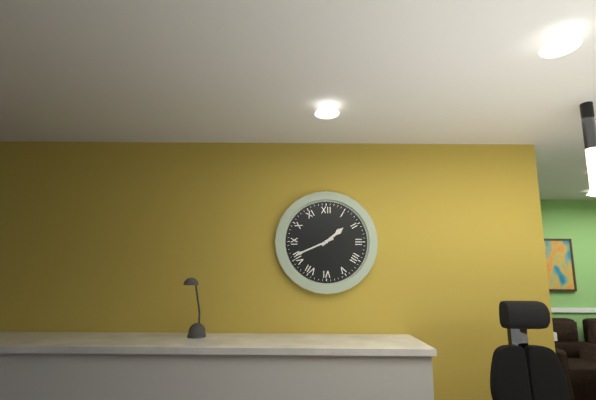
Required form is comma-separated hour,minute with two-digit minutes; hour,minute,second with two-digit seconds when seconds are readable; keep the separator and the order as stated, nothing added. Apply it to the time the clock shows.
1,41
